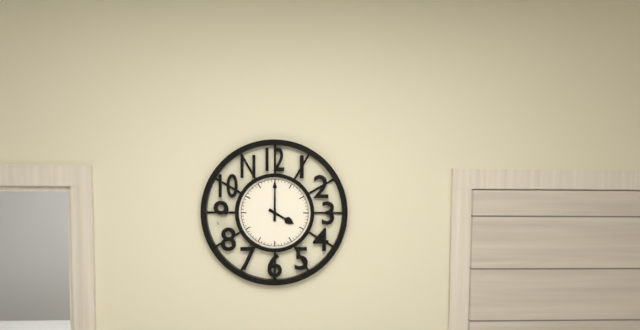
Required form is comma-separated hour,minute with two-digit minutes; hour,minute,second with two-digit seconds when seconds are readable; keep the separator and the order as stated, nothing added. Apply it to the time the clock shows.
4,00
